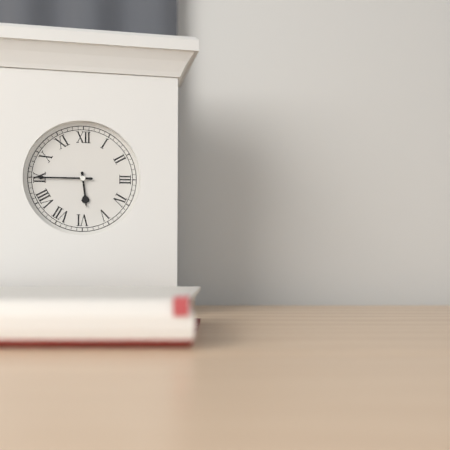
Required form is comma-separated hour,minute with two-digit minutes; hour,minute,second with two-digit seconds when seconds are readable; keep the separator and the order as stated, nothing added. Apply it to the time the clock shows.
5,45
